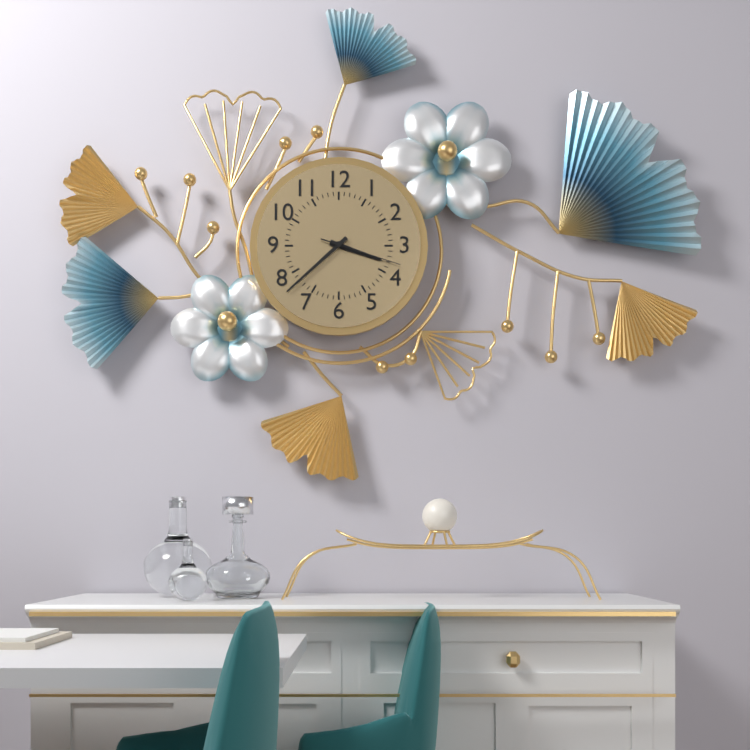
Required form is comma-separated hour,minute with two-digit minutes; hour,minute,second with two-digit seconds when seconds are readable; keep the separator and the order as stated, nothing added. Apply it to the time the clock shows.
3,38,18
